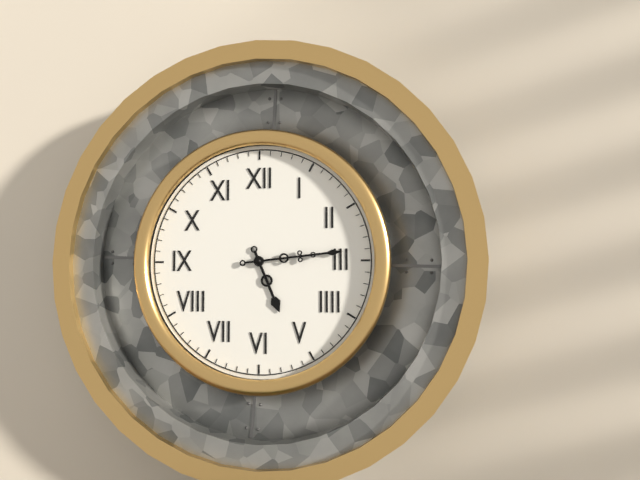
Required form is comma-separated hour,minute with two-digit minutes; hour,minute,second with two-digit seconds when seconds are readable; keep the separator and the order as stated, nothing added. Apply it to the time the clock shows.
5,14
